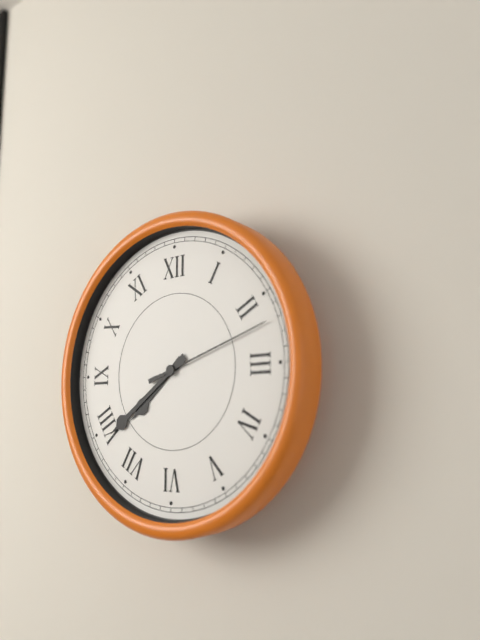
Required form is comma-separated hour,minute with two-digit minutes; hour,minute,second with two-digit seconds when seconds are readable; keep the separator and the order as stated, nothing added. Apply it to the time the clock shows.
7,39,12
